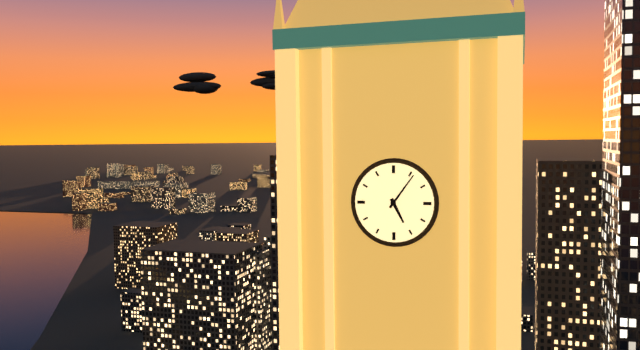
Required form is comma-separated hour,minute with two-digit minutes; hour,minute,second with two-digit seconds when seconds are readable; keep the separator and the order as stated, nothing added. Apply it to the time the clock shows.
5,06
